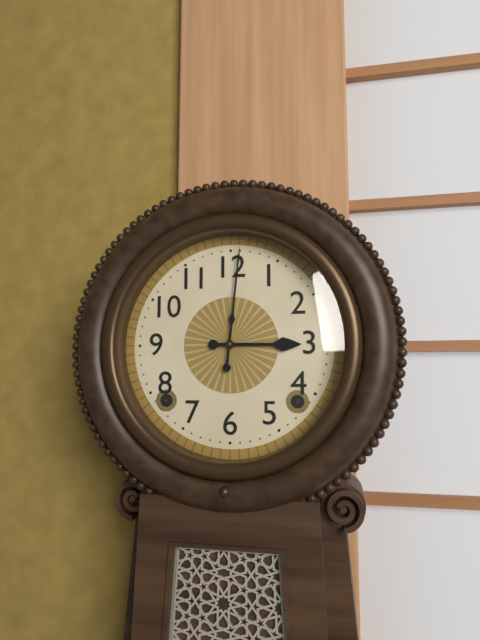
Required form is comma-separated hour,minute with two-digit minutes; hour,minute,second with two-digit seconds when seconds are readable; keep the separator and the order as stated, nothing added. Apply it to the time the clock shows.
3,01
